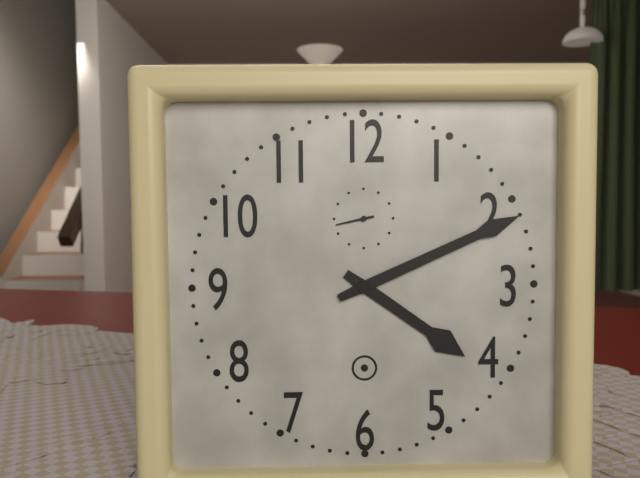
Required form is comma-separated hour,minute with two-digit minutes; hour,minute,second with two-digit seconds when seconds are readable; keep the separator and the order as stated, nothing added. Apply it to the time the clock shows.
4,11
